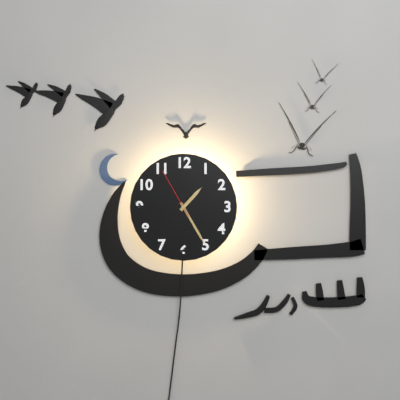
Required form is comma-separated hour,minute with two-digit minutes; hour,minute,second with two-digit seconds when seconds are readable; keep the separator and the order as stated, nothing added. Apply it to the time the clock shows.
1,25,55
